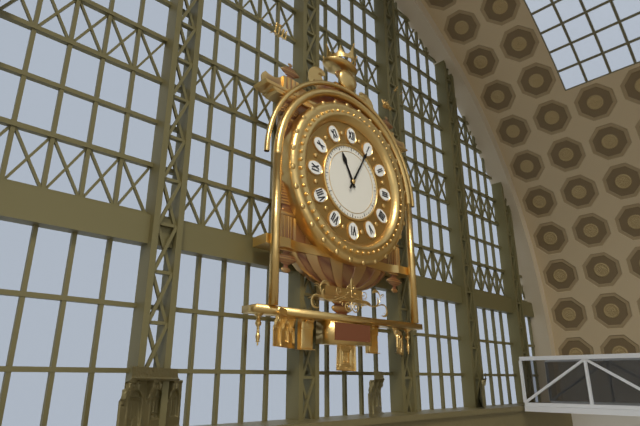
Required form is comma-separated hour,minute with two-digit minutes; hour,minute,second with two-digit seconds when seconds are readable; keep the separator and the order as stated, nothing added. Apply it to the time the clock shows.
11,05
